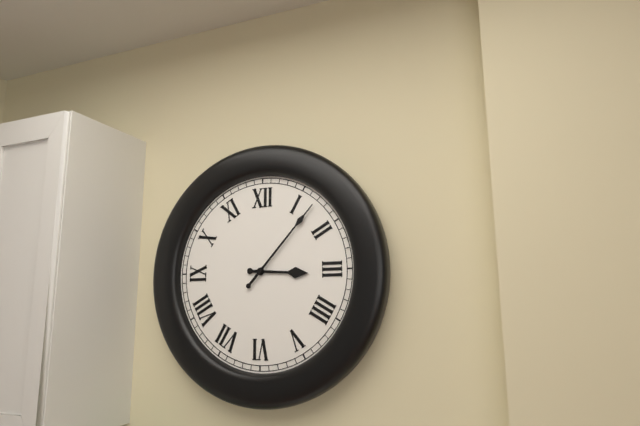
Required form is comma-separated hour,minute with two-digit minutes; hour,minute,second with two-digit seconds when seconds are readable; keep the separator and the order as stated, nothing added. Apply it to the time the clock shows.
3,07
